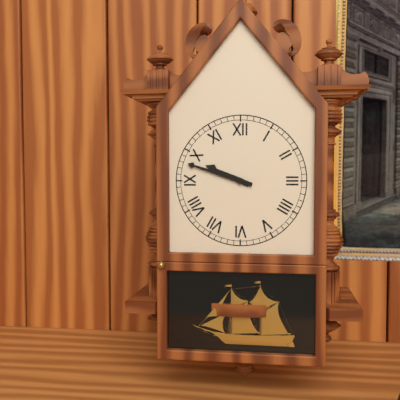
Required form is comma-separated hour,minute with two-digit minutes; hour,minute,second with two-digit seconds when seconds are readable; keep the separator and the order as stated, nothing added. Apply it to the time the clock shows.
9,48
